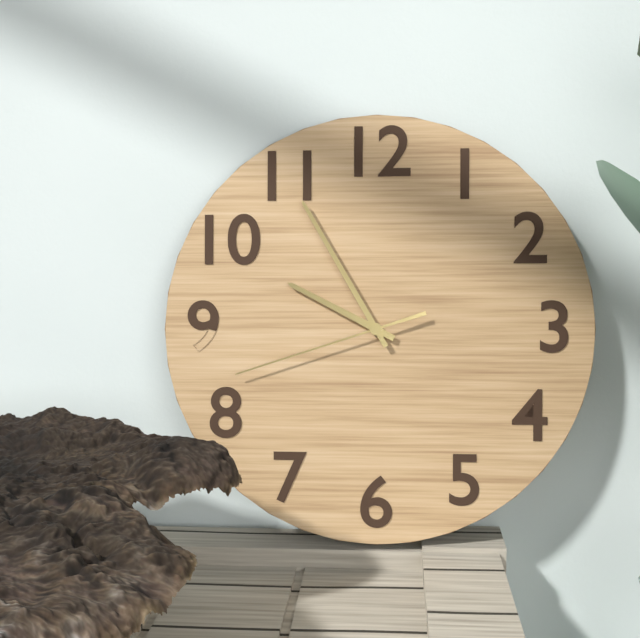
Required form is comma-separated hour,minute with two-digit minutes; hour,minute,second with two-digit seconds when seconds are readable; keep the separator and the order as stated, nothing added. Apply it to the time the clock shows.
9,55,42
